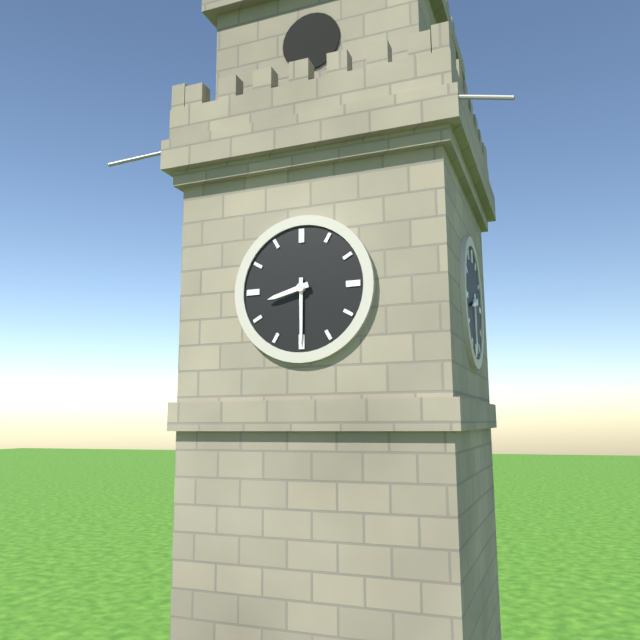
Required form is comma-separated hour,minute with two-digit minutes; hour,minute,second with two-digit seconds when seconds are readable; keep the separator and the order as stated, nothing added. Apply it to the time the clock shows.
8,30
